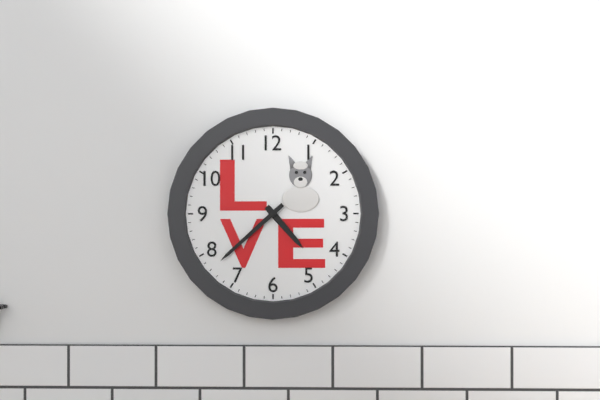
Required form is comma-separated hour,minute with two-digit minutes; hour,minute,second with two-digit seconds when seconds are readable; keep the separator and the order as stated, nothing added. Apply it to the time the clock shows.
4,38
